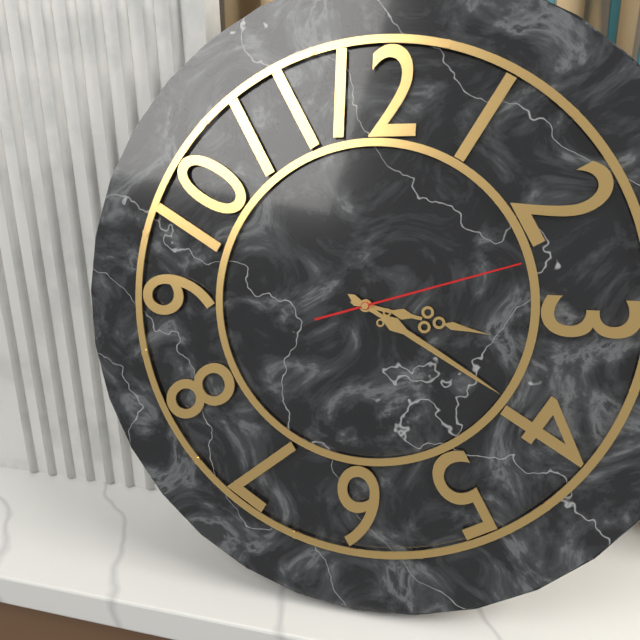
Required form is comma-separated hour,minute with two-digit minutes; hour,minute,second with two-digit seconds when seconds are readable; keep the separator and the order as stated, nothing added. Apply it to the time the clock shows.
3,20,12
